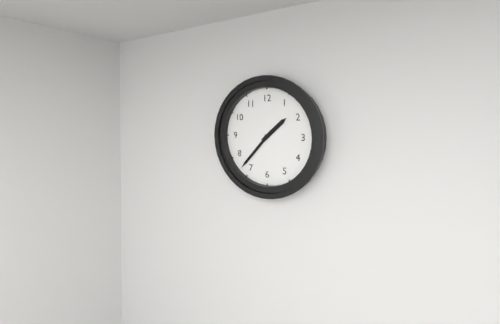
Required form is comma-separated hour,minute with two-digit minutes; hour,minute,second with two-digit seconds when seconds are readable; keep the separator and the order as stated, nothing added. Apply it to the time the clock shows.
1,37
